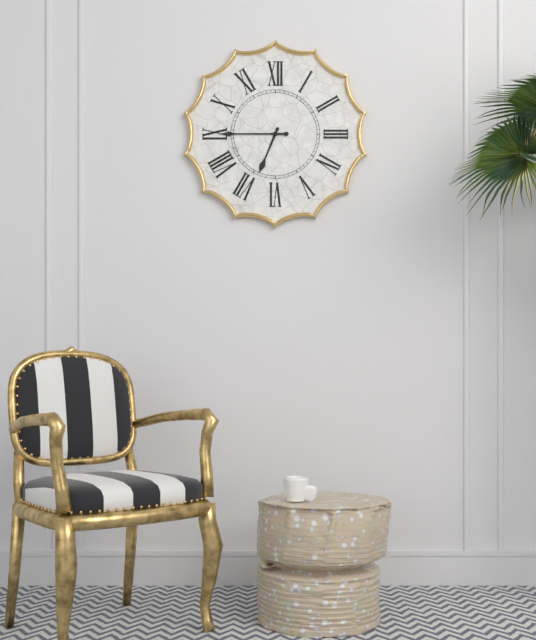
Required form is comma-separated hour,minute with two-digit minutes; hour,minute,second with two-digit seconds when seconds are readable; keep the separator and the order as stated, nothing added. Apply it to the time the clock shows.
6,45
